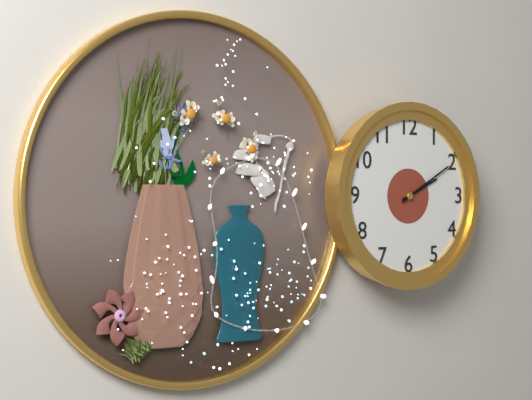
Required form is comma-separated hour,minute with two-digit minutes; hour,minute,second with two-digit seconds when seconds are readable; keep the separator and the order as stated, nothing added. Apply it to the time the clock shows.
2,10
